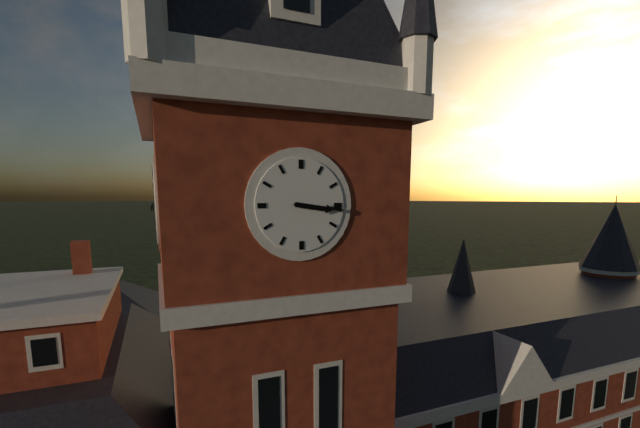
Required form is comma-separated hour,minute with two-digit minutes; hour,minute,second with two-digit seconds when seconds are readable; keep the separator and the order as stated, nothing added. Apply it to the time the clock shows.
3,16
